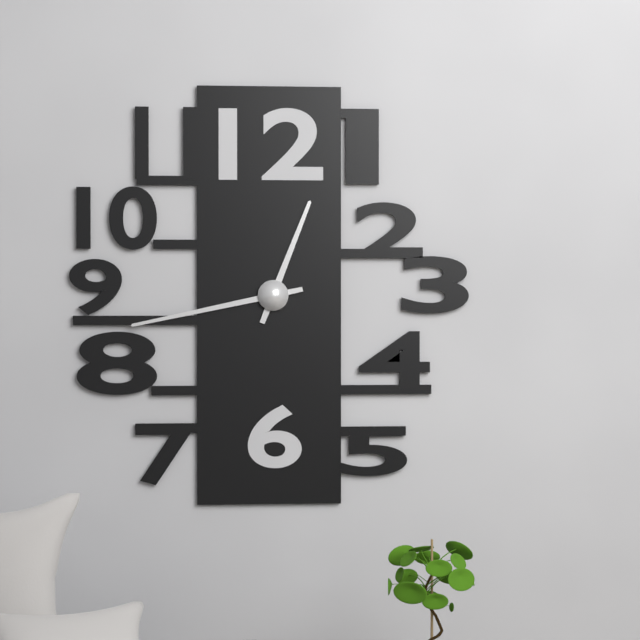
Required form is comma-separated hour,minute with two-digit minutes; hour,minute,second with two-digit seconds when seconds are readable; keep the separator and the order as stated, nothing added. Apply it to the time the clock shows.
12,43
